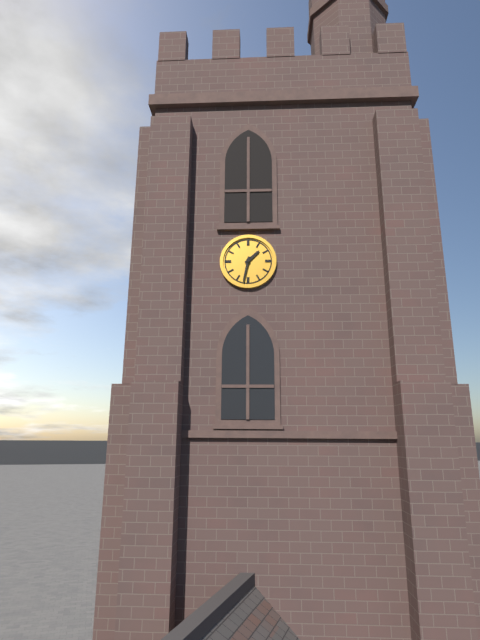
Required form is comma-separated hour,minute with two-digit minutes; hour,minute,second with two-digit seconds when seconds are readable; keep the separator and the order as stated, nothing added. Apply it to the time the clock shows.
1,32
